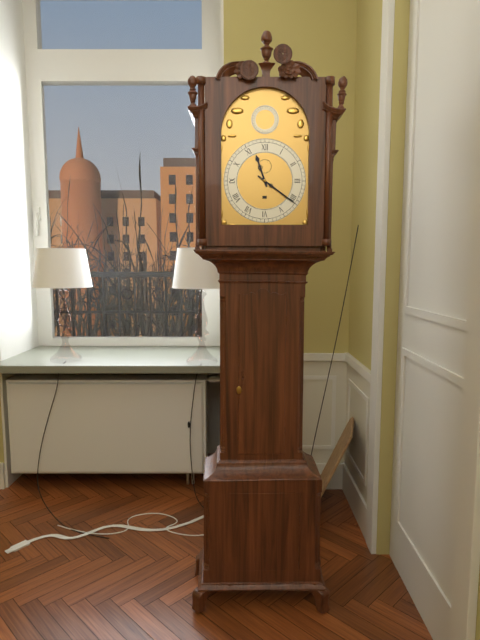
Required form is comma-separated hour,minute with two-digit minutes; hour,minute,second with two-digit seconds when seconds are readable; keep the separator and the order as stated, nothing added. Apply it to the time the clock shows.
11,21
